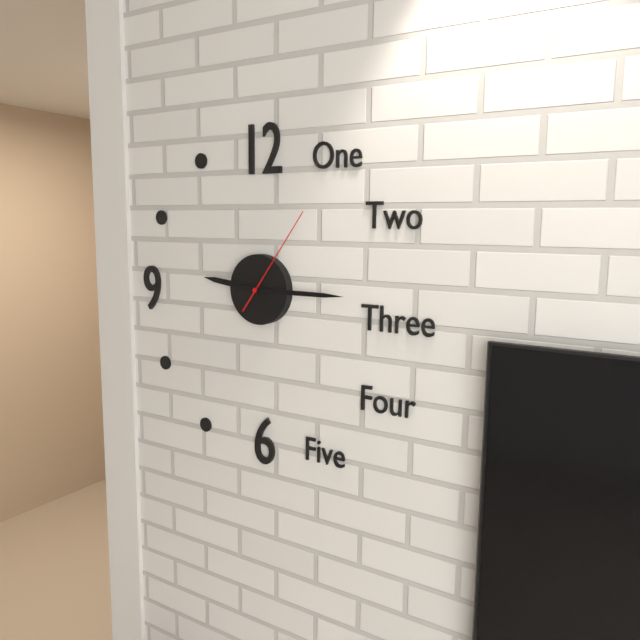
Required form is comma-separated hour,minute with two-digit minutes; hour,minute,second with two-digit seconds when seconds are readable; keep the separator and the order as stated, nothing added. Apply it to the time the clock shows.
9,15,06
